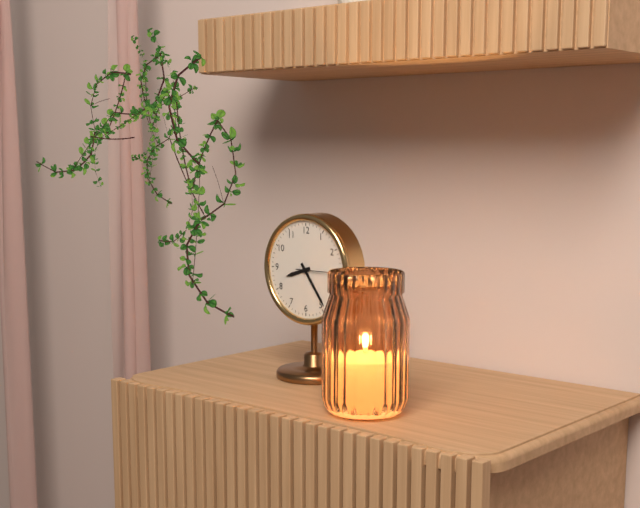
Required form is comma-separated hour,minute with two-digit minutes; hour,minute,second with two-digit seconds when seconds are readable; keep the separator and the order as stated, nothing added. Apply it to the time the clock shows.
8,24
